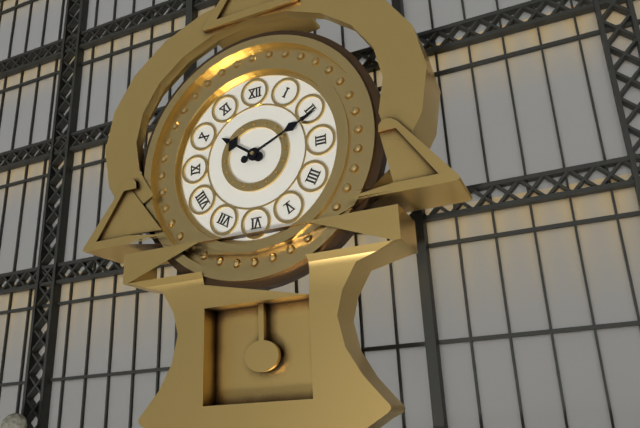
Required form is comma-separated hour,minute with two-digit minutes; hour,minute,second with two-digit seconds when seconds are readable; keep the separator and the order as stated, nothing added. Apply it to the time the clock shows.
10,11
